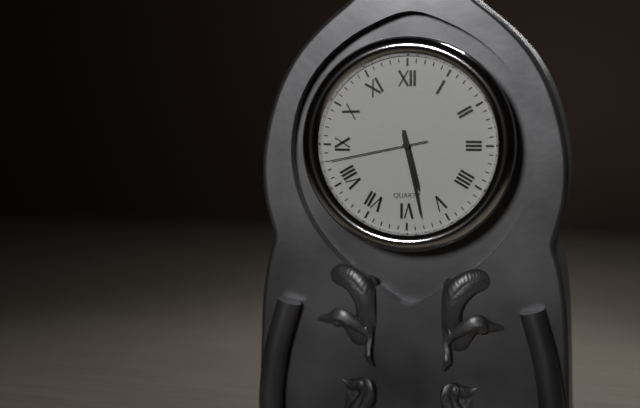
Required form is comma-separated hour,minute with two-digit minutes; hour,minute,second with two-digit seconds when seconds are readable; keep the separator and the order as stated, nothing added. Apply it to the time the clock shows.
5,28,43
